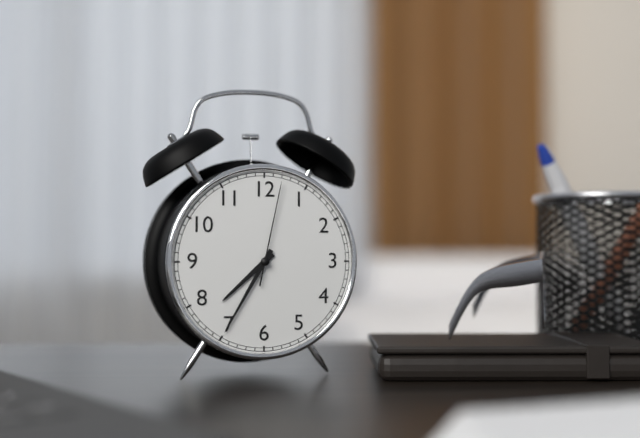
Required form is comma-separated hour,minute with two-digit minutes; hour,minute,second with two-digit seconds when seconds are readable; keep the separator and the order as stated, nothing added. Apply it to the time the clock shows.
7,35,02
